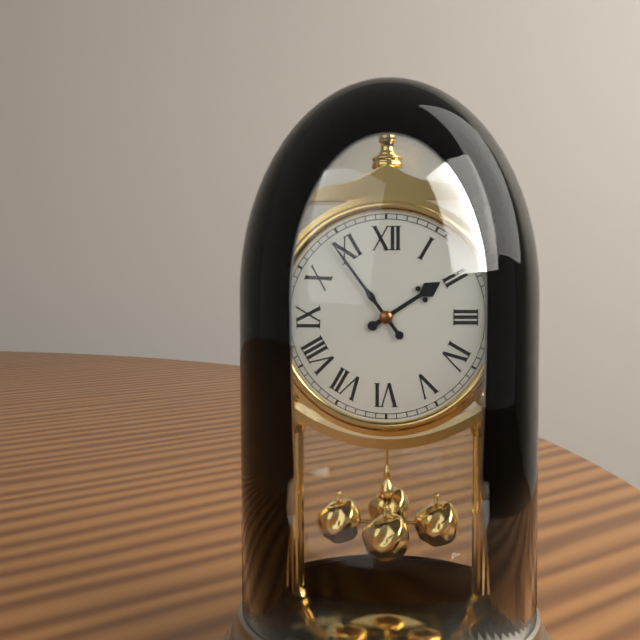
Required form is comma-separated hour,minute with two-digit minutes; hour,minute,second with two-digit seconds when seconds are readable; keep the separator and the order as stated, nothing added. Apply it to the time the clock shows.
1,54
